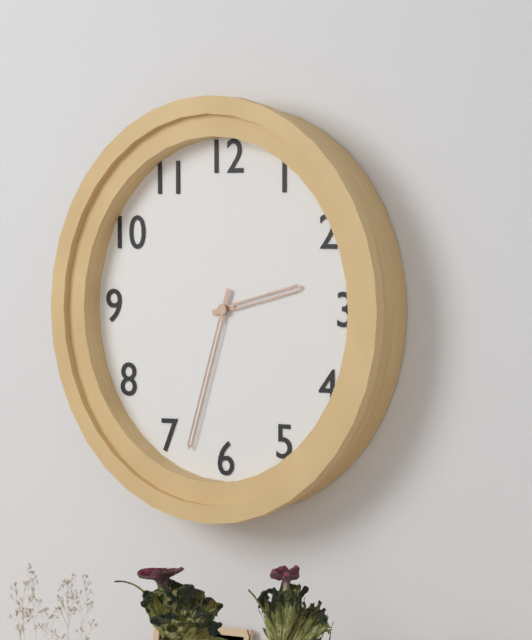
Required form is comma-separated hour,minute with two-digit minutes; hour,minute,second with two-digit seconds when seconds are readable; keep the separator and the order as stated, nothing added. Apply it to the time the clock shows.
2,33
